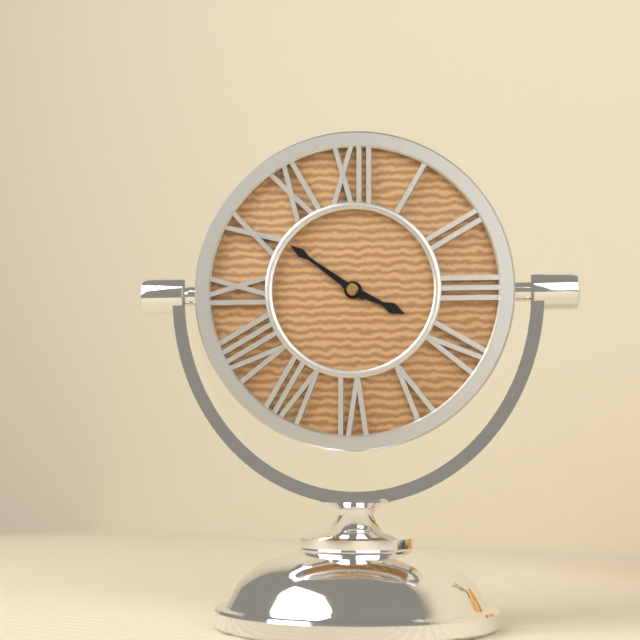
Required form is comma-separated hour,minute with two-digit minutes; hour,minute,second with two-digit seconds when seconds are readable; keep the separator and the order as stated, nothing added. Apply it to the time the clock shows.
3,51
